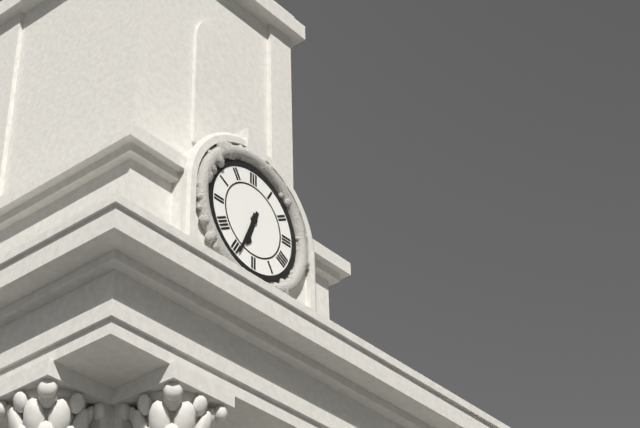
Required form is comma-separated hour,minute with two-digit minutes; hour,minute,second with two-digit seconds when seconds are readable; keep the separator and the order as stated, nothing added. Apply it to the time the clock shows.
6,34
